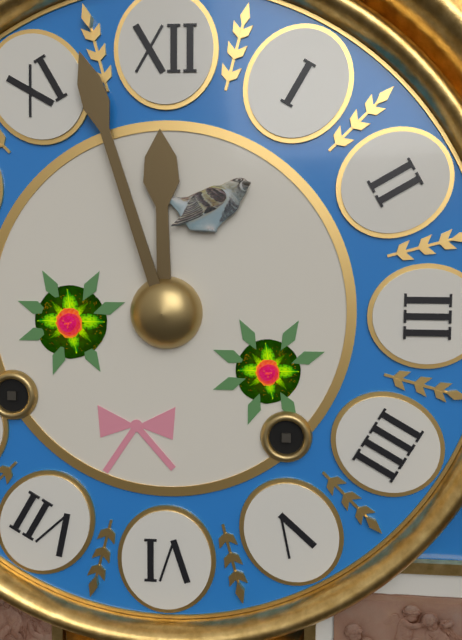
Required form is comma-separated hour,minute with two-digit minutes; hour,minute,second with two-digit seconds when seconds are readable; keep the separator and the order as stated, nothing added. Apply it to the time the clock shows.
11,57
